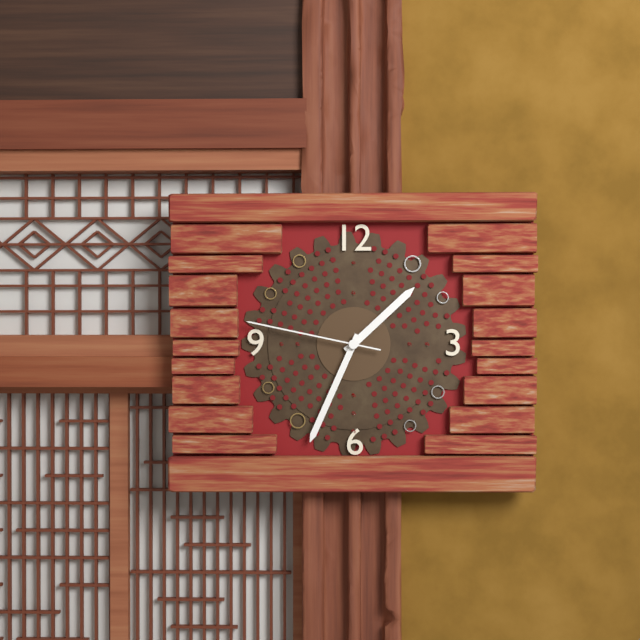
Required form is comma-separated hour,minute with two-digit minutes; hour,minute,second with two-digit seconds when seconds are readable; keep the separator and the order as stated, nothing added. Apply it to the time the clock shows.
1,34,47
